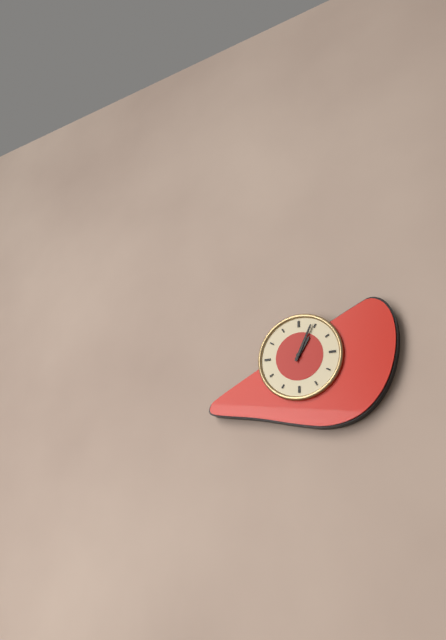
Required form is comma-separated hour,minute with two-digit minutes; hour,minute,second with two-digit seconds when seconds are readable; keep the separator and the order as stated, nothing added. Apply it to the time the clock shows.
1,04
